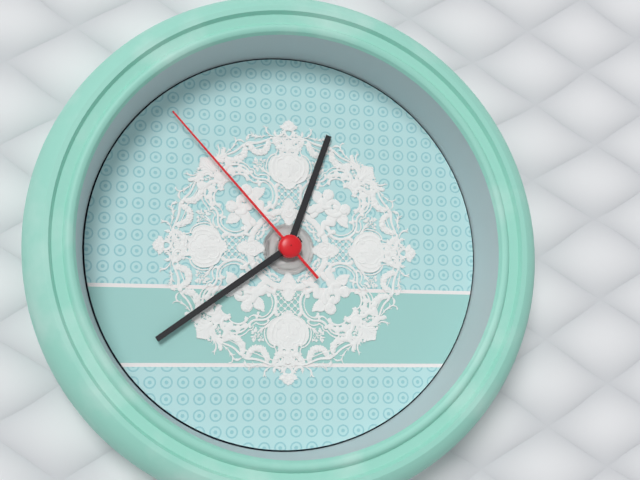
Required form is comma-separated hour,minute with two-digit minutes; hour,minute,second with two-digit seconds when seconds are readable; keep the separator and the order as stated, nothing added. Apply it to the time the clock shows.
12,39,53
